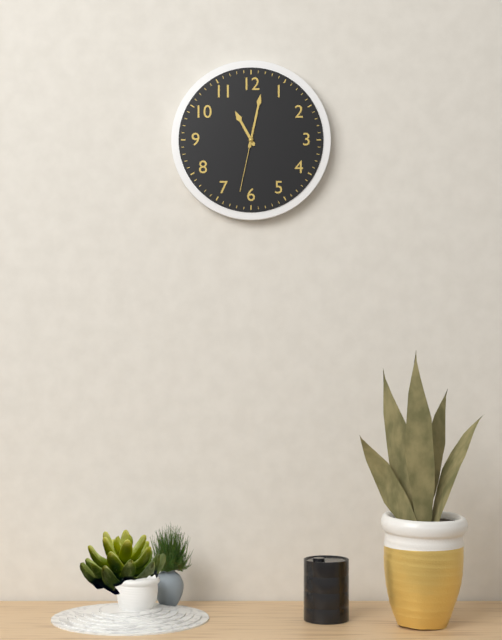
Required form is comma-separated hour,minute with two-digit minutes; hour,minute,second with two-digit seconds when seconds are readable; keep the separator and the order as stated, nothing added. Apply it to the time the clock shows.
11,02,32
